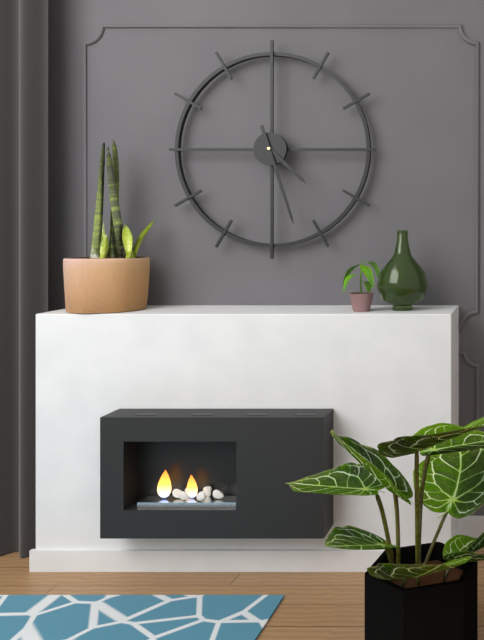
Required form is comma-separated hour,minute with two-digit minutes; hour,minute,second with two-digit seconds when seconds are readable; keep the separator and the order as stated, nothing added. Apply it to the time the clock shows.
4,27
